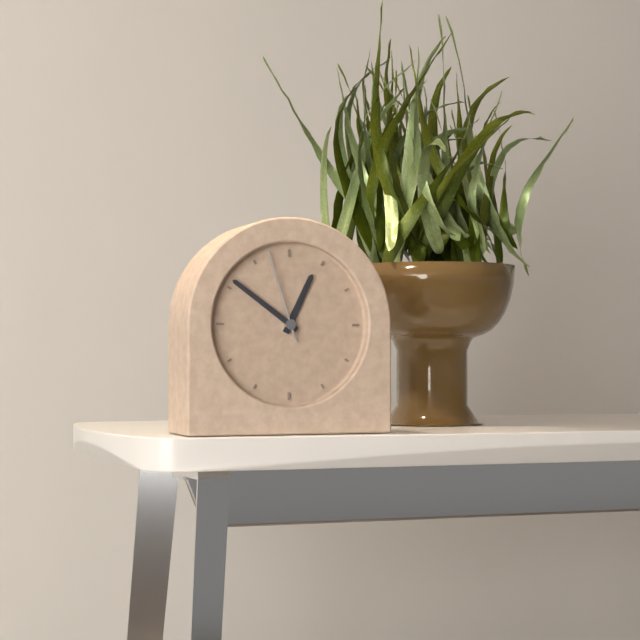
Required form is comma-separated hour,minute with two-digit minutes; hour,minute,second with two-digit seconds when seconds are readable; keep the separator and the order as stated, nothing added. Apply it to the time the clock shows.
12,51,57
